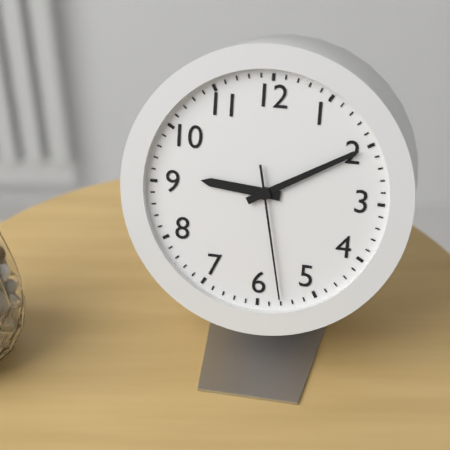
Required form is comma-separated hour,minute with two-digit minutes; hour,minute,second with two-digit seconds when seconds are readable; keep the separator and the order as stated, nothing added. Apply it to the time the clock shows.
9,10,28
